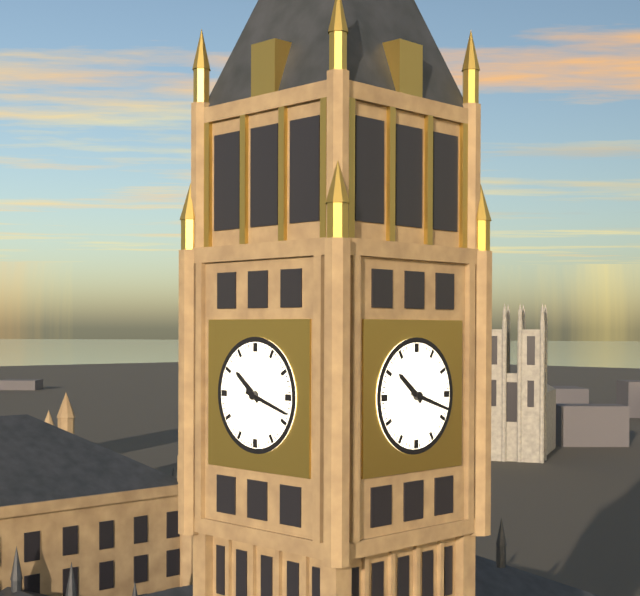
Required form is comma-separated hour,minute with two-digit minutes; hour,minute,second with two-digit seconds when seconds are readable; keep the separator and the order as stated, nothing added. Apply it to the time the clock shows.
10,18
